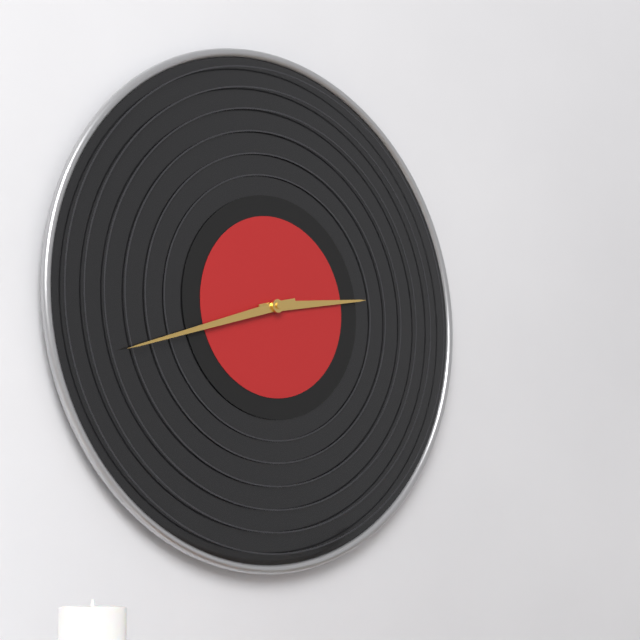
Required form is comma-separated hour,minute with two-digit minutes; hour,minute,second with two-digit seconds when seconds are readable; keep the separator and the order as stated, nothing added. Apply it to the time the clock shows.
2,42
